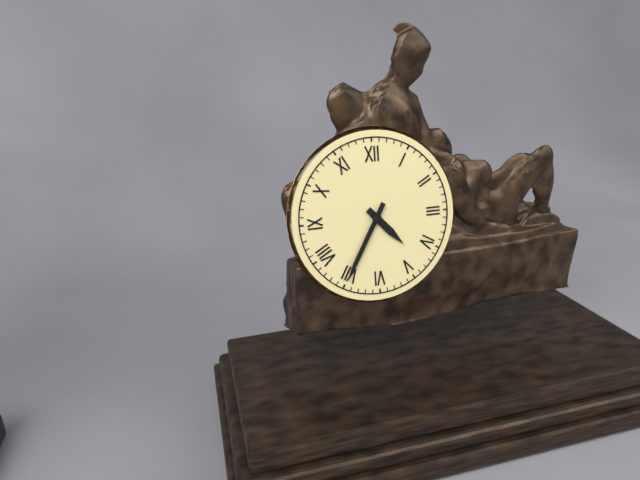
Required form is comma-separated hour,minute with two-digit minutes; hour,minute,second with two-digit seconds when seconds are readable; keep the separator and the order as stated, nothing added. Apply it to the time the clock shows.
4,35
